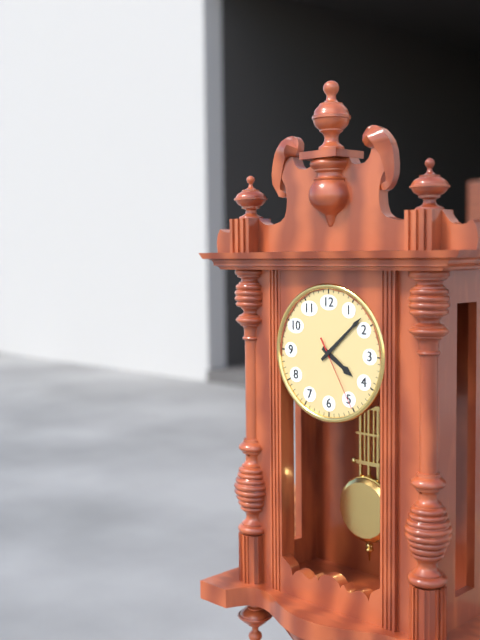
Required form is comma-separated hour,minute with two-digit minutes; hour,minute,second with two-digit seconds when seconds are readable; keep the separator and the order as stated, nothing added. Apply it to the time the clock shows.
4,08,25
